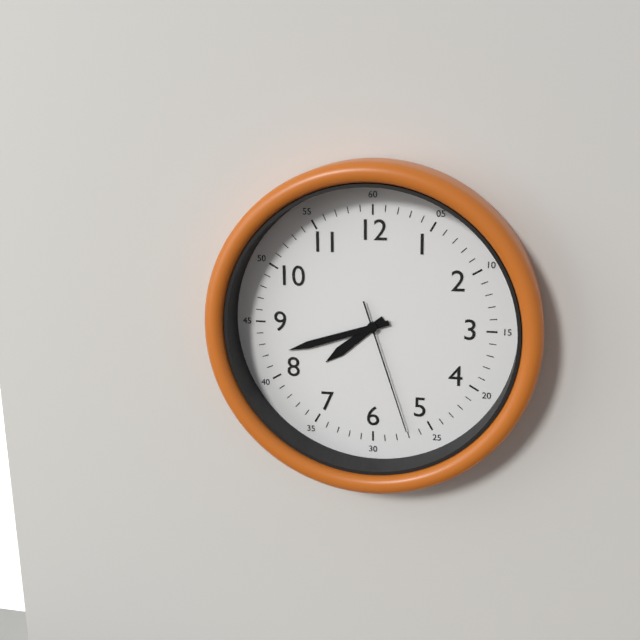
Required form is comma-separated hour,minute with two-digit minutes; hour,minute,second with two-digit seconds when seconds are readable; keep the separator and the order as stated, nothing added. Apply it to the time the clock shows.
7,42,27
